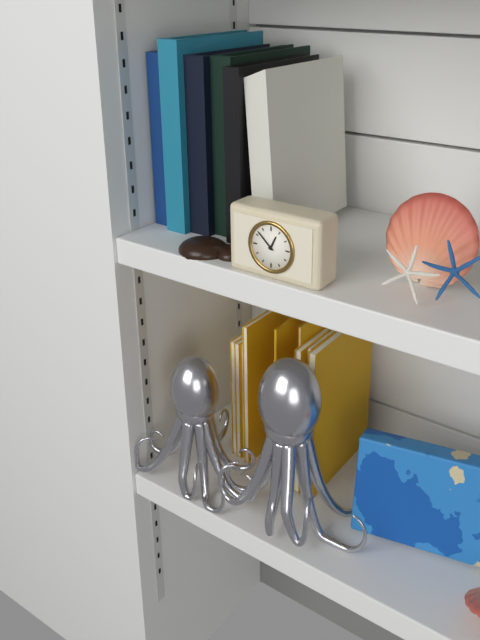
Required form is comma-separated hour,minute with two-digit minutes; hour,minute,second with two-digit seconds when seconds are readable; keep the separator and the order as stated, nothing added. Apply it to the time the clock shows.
12,52
